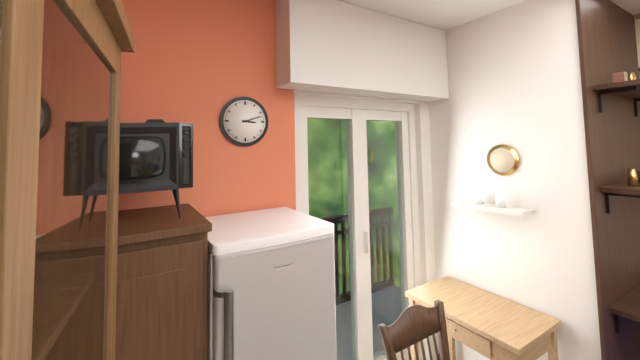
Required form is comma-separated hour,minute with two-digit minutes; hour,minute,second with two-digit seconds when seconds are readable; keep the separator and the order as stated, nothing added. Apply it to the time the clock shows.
3,12
